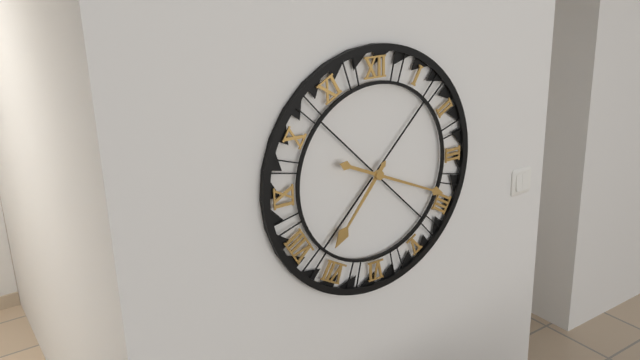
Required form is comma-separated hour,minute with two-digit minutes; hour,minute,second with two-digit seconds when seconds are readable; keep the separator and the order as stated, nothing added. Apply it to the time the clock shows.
7,19
